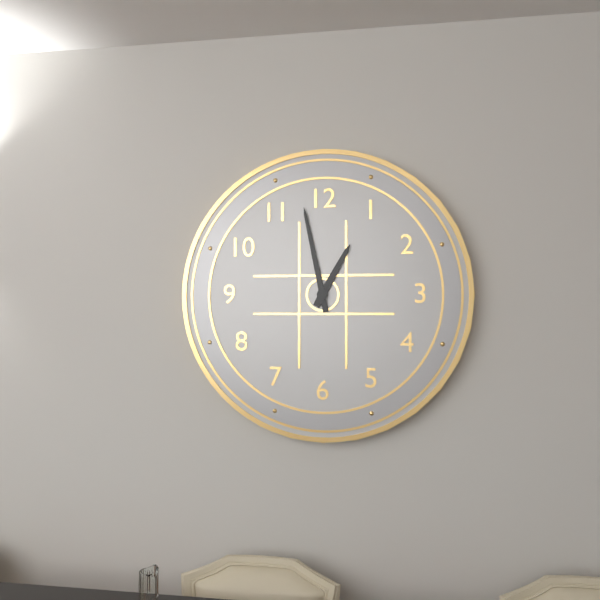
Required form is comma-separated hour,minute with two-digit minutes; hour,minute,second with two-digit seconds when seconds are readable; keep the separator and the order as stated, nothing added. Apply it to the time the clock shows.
12,58
